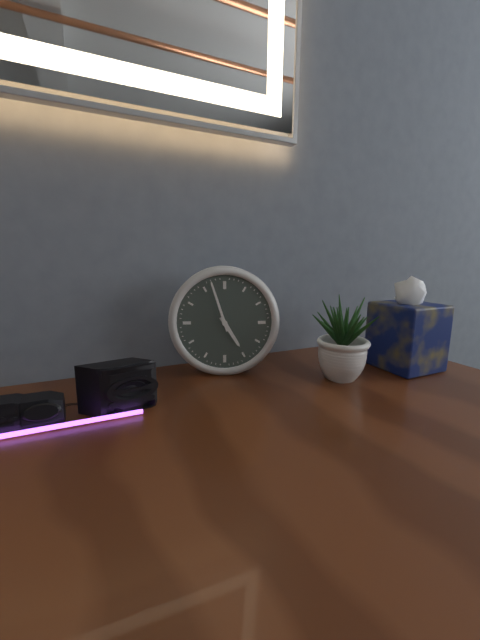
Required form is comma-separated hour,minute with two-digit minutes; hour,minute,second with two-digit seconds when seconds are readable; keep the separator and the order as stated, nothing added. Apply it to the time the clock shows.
4,57
